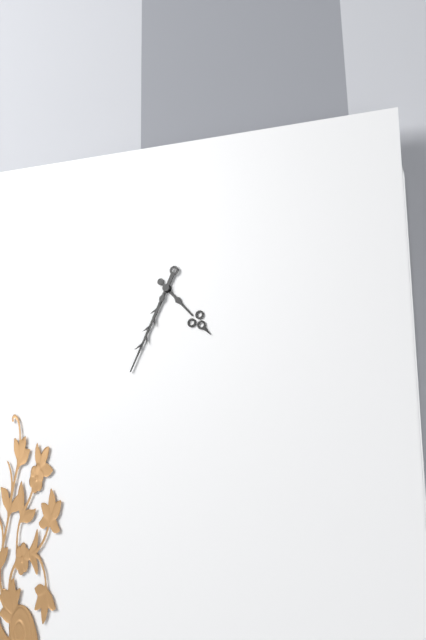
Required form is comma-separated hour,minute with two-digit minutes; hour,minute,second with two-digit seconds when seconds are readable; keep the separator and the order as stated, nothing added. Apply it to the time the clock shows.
4,34
